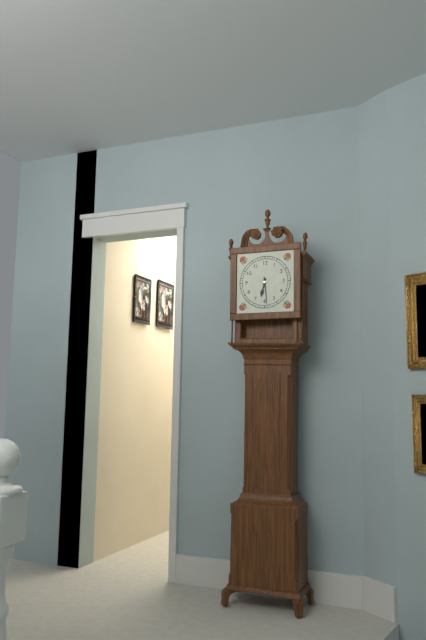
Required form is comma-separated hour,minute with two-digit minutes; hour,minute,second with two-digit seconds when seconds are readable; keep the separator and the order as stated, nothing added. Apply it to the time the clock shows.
6,29
